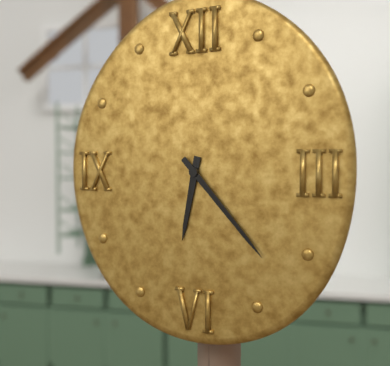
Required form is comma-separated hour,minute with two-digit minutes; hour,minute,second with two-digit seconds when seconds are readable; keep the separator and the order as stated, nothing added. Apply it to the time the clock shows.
6,23
